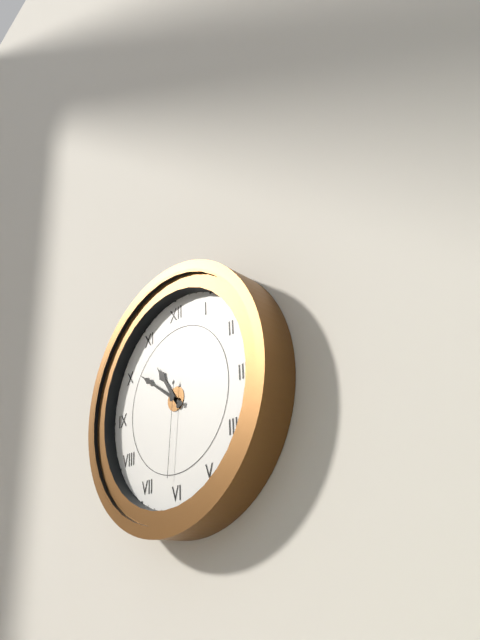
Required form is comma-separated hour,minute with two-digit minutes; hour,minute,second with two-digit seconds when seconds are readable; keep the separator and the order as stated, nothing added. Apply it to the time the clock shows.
10,51,31
